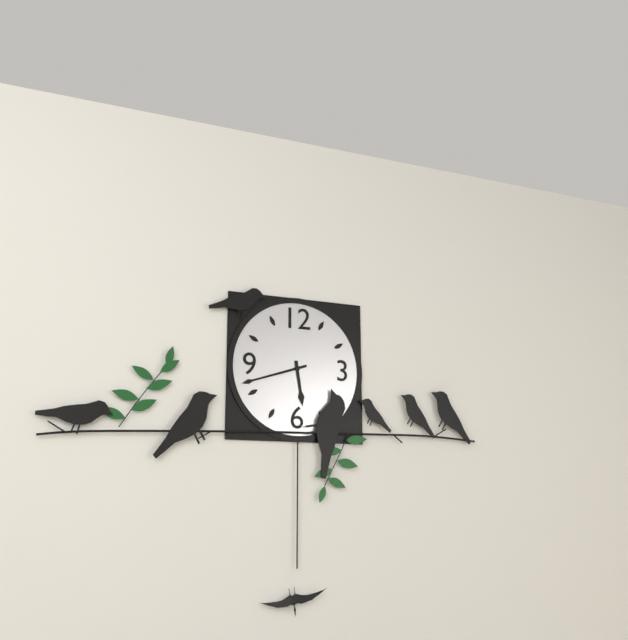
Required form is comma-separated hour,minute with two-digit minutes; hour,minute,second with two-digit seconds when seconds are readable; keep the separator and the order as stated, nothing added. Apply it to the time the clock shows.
5,42
